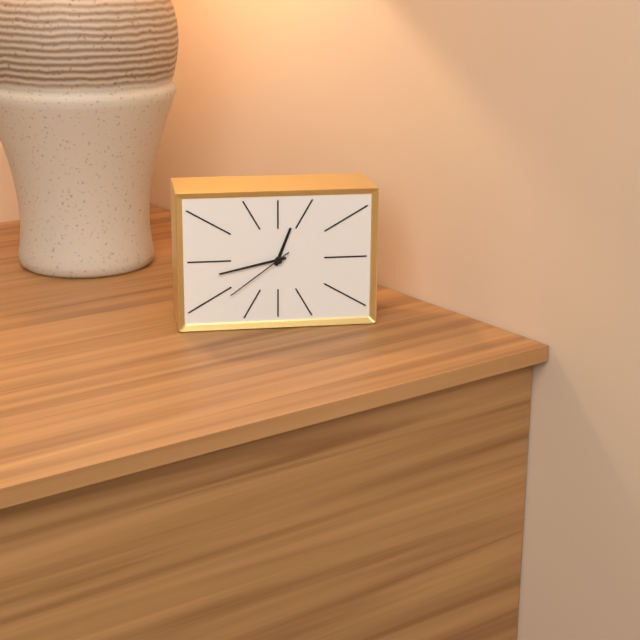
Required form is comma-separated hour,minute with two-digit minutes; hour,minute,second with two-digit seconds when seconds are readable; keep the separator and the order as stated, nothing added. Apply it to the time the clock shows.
12,43,39
